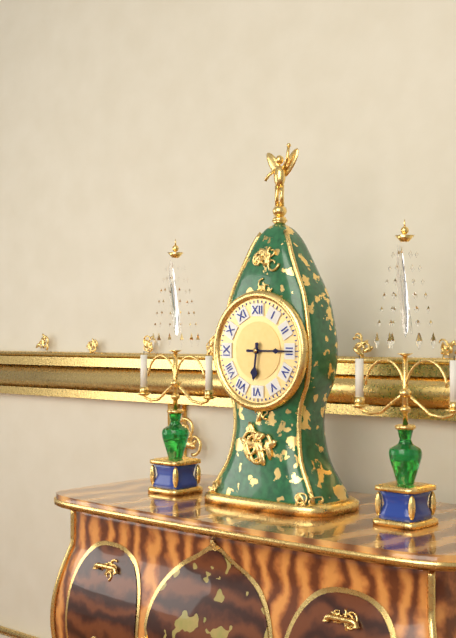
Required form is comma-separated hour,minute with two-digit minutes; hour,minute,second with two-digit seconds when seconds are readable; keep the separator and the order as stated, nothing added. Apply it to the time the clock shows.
6,15
